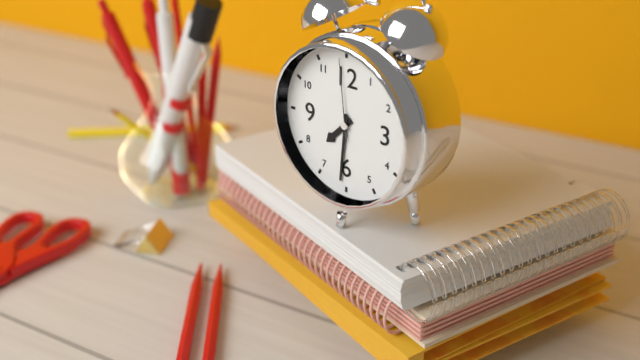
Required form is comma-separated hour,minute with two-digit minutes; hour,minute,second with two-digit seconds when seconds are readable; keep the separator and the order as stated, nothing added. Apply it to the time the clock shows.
7,31,59
